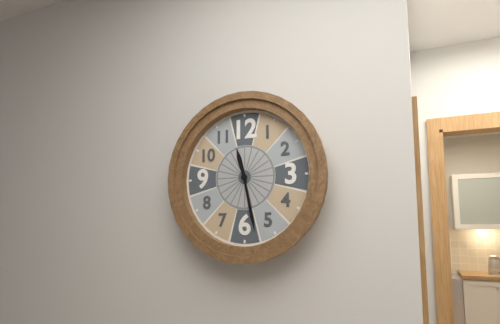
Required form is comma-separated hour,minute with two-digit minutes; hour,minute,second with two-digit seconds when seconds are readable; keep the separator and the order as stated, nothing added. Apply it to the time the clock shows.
11,28
